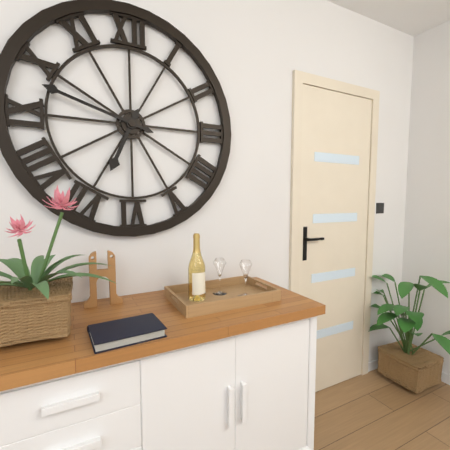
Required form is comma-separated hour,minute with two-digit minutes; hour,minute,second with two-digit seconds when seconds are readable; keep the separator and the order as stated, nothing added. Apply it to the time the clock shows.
6,48
